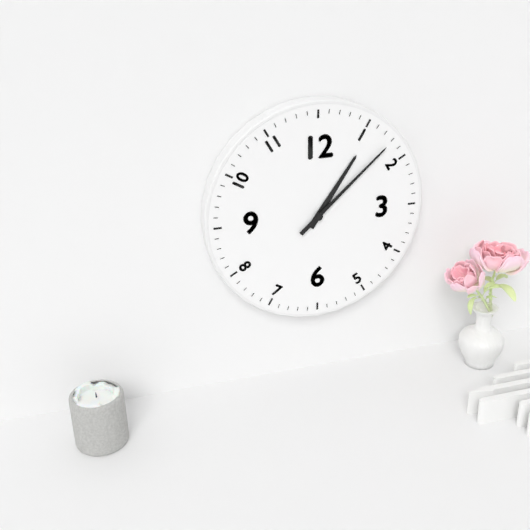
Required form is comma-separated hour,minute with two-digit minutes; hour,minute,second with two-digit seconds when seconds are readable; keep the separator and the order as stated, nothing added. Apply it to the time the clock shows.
1,08
